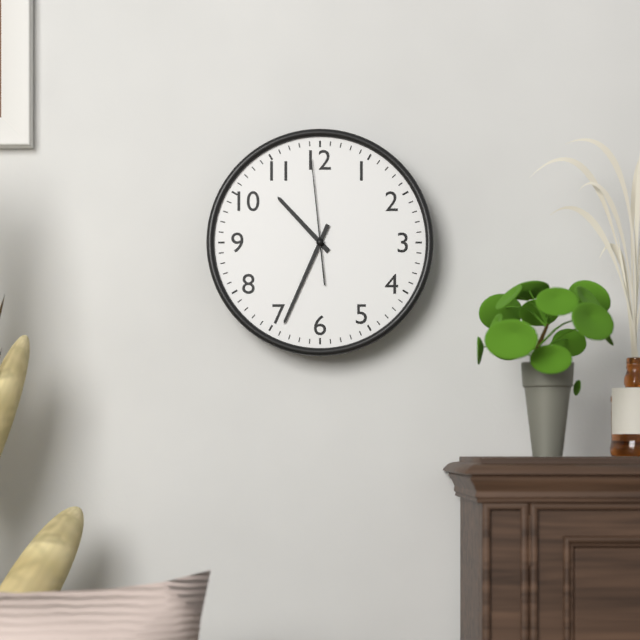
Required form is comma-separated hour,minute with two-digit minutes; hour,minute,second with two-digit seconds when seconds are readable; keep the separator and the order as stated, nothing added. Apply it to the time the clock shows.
10,34,59
